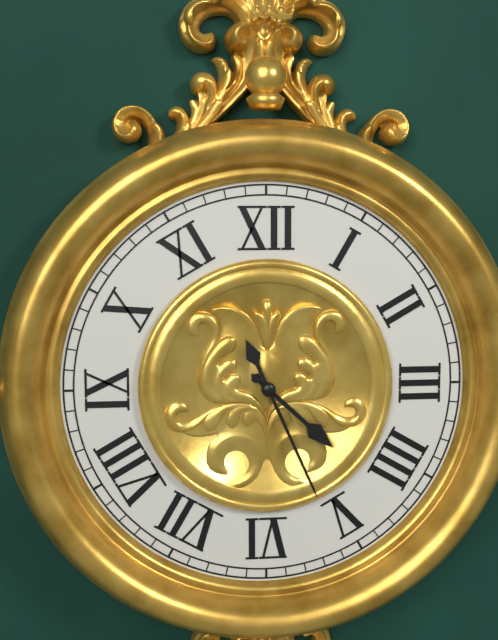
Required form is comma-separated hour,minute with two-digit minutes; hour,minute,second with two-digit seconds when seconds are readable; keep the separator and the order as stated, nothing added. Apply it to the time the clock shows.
4,26
